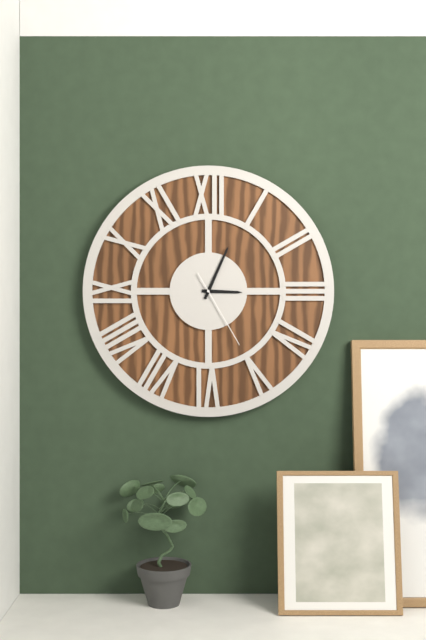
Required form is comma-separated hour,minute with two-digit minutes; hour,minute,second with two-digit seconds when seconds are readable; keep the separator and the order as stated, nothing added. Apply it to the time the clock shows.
3,04,25
